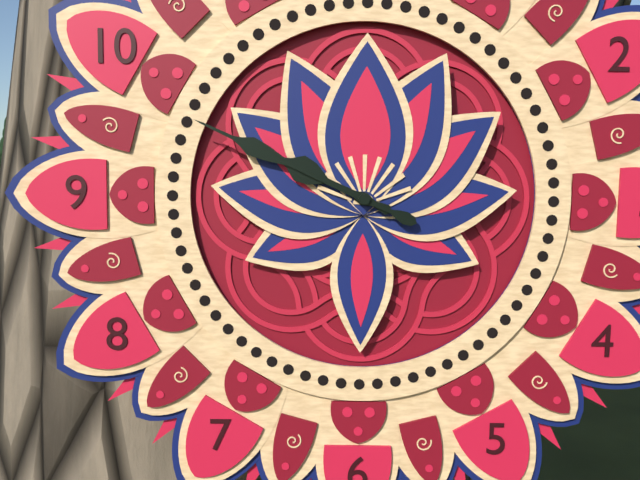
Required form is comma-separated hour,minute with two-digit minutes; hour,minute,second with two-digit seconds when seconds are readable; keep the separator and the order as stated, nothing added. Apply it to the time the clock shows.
9,49
